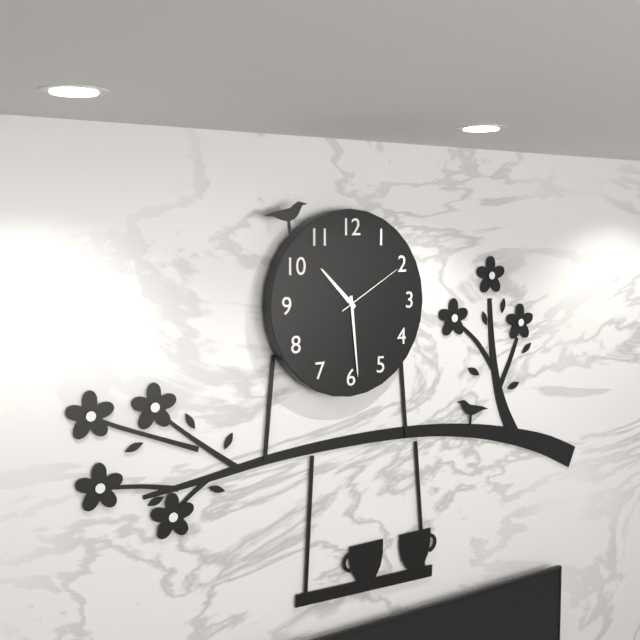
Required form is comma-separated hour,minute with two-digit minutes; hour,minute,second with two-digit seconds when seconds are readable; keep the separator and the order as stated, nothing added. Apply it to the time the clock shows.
10,29,10
